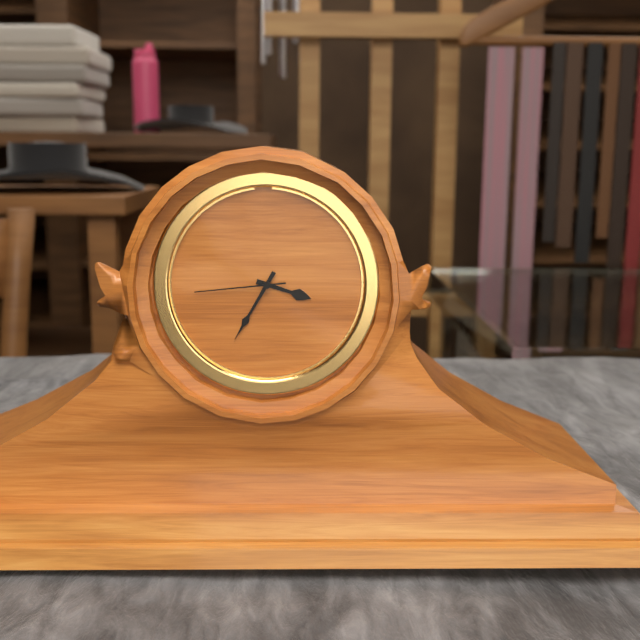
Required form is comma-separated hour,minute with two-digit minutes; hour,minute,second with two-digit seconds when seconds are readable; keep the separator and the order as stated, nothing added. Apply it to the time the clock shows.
3,35,44
